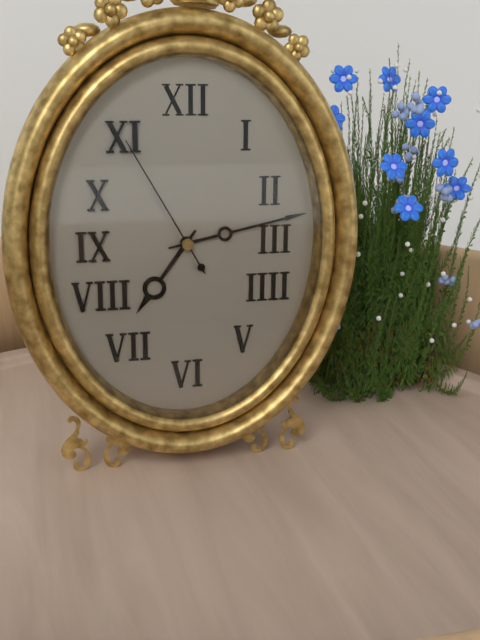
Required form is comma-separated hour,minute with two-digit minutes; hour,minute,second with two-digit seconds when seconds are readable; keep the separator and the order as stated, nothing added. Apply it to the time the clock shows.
7,13,55
